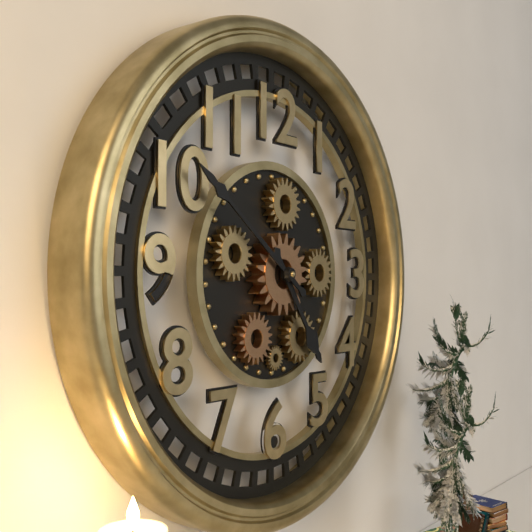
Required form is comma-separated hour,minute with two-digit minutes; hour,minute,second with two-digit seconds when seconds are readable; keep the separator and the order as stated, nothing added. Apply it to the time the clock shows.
4,51
